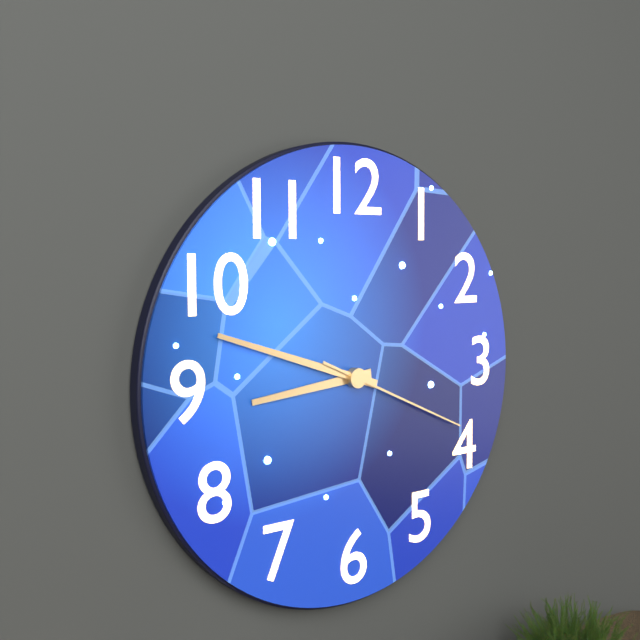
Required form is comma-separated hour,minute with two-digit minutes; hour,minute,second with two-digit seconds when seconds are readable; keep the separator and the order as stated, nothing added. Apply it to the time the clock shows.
8,48,19
